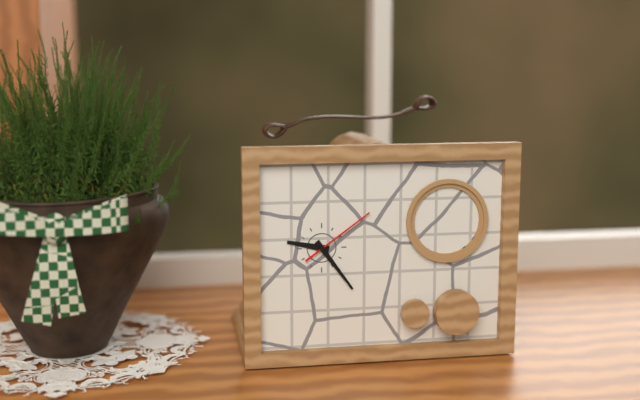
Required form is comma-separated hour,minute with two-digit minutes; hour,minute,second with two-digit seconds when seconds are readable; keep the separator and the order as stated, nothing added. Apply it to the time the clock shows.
9,24,09
